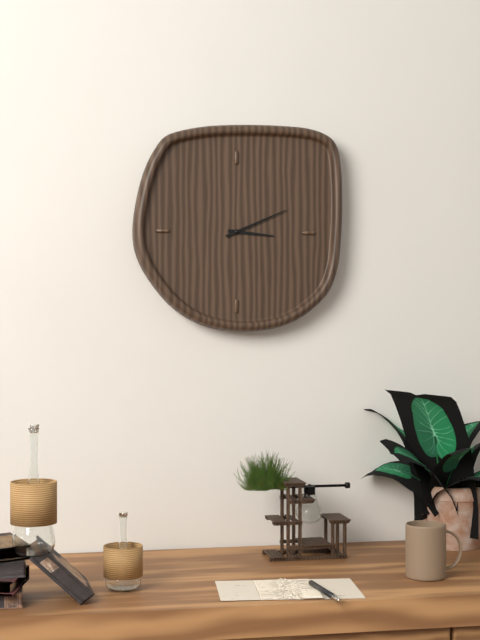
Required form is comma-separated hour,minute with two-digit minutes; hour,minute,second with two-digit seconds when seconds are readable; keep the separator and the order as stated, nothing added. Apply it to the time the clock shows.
3,11
